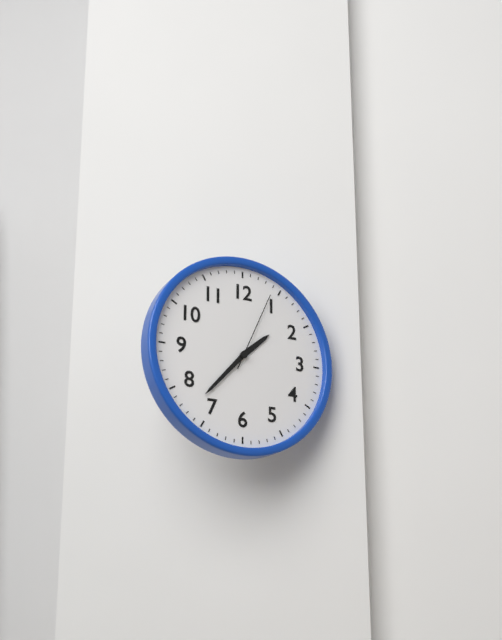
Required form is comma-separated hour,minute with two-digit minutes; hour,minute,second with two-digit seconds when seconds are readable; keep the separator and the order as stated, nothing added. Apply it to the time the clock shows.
1,37,04
